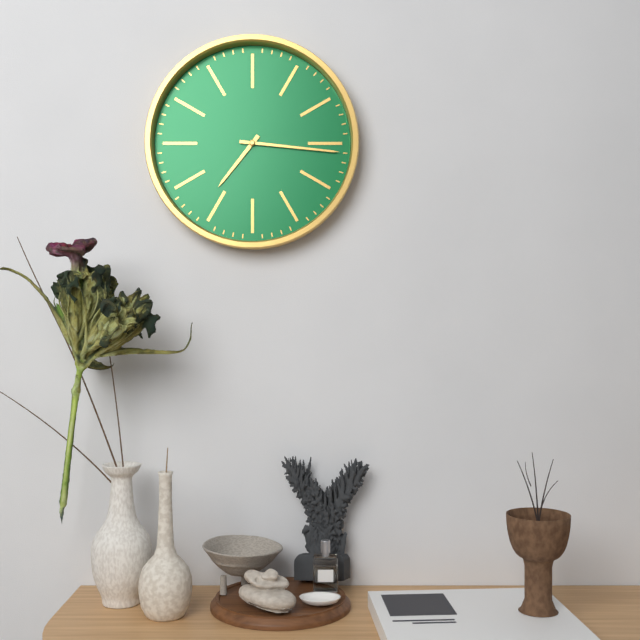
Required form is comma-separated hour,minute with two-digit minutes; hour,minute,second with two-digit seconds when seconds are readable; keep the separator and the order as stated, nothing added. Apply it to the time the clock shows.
7,16
